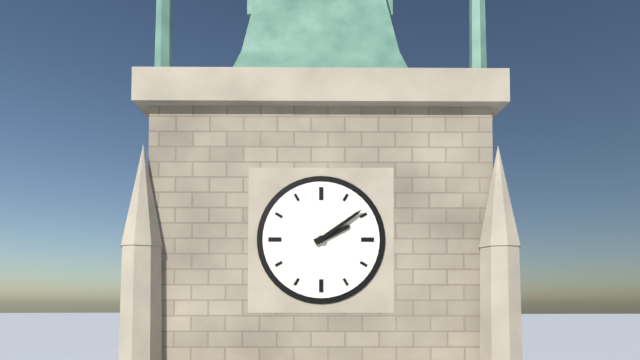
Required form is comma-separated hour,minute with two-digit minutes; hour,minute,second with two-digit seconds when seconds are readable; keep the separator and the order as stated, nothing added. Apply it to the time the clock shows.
2,09
